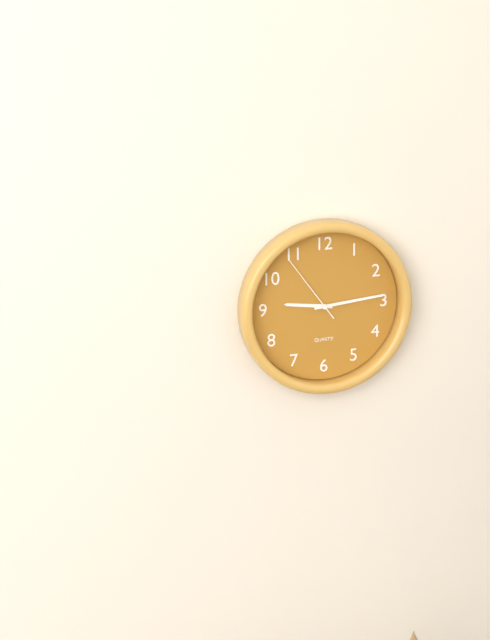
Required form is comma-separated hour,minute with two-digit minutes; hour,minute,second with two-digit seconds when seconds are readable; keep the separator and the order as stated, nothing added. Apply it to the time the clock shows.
9,14,54
